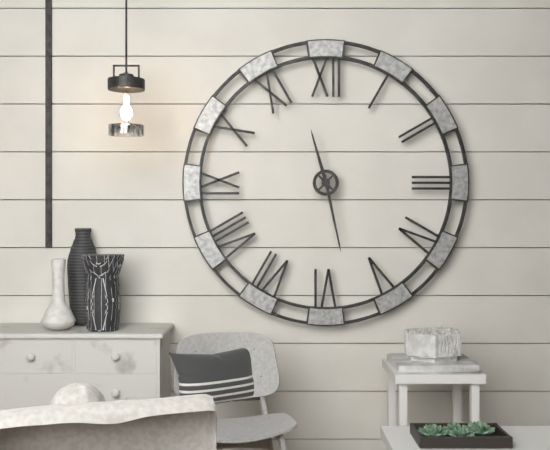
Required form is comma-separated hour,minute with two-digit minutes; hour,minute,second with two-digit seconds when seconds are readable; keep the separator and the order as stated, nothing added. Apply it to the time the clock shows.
11,28
